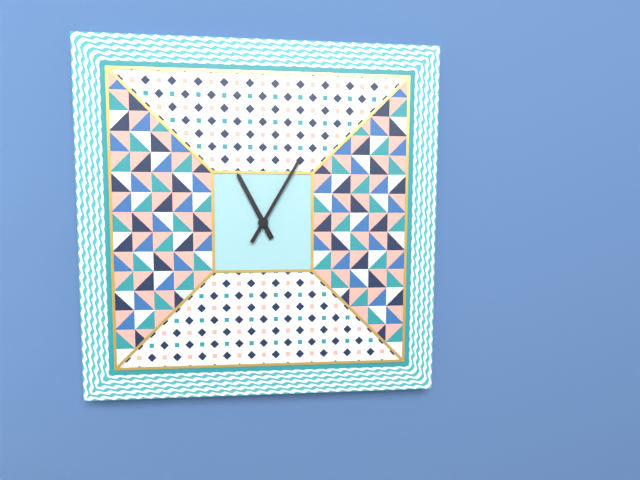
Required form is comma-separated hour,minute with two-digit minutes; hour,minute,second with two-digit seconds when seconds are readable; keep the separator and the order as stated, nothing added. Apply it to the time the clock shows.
11,05
